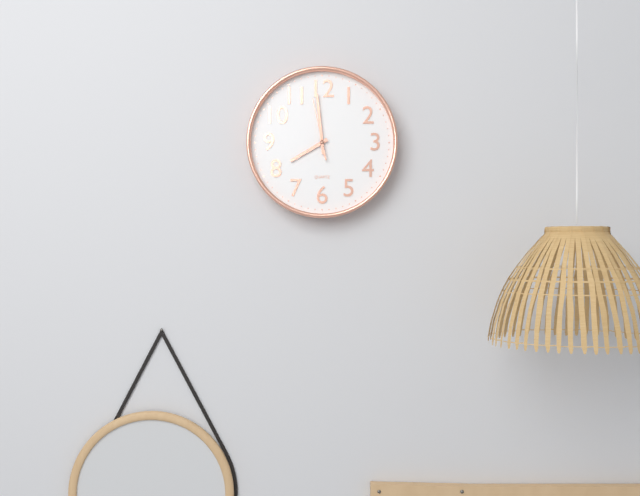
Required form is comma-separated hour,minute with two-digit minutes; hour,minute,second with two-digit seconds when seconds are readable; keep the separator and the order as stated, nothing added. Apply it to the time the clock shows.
7,59,58
